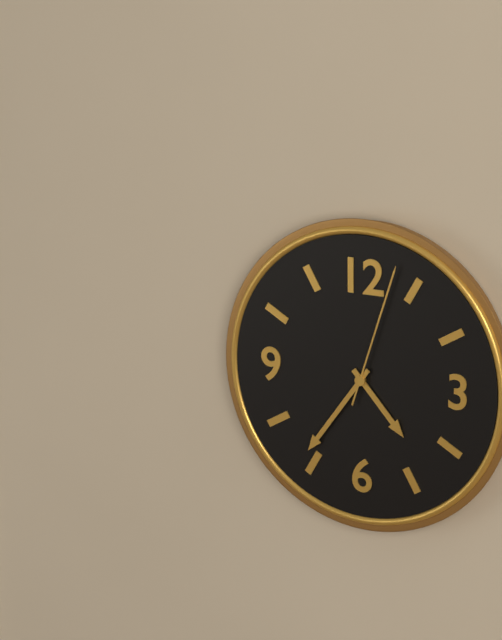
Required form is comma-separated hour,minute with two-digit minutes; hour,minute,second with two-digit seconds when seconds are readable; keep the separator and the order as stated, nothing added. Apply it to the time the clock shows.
4,36,03
